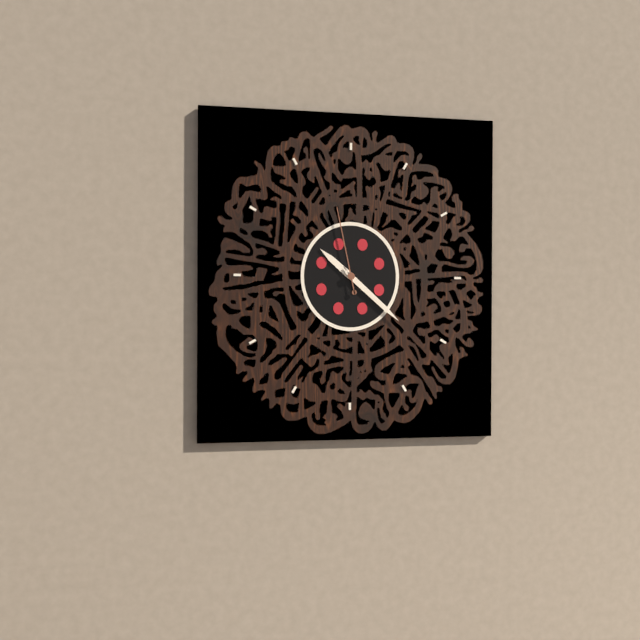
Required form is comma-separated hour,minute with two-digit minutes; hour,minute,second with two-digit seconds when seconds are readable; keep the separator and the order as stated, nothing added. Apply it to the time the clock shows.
10,22,58
